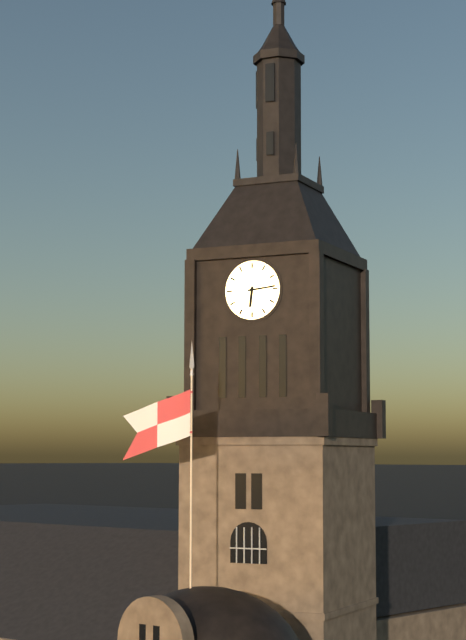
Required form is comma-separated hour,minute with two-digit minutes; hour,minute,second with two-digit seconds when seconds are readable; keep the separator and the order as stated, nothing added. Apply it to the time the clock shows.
6,14
